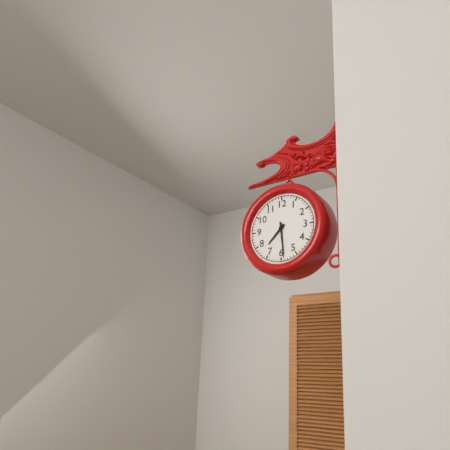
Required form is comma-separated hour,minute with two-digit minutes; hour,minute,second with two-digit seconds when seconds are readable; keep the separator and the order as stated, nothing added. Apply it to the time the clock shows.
7,29
